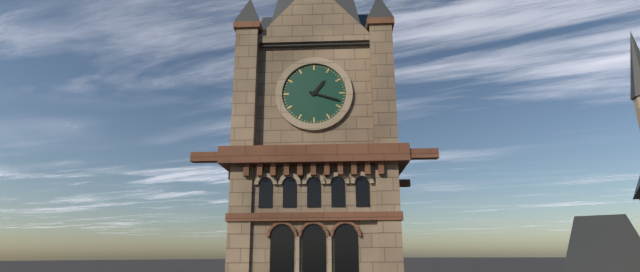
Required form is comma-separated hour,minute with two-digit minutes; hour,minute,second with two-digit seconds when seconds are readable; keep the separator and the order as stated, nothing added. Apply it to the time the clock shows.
1,18
